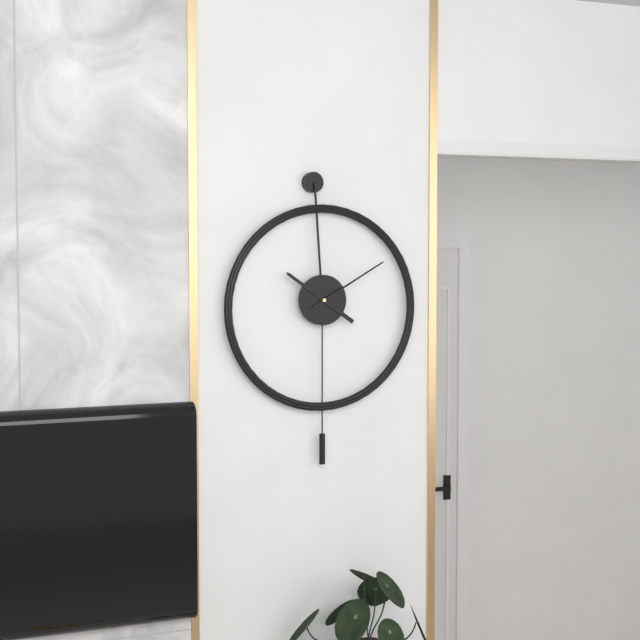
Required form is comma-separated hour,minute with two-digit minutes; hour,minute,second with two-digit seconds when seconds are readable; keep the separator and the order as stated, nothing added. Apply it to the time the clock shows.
10,10
